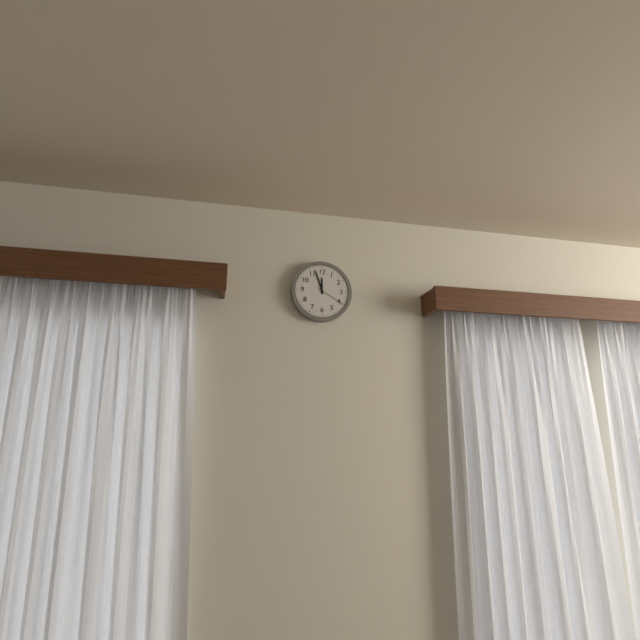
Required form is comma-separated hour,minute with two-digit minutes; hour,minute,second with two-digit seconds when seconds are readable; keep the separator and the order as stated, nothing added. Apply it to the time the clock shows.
11,57
